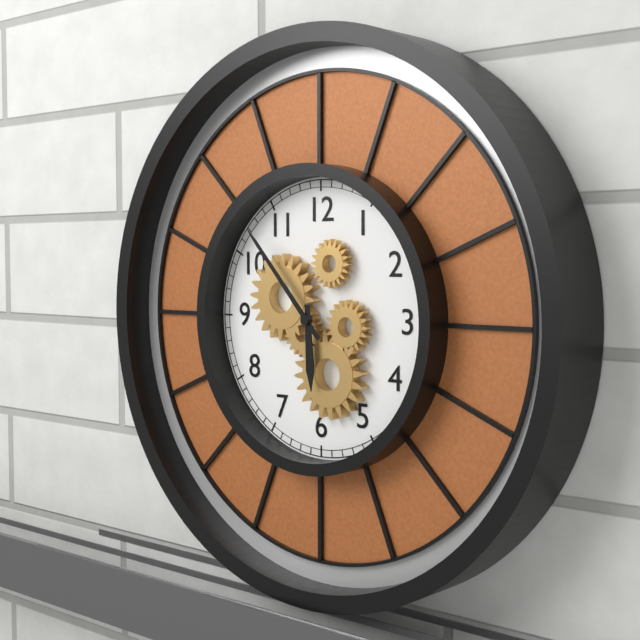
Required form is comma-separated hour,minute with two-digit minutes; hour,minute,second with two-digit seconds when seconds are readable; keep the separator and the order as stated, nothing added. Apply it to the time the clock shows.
5,53
